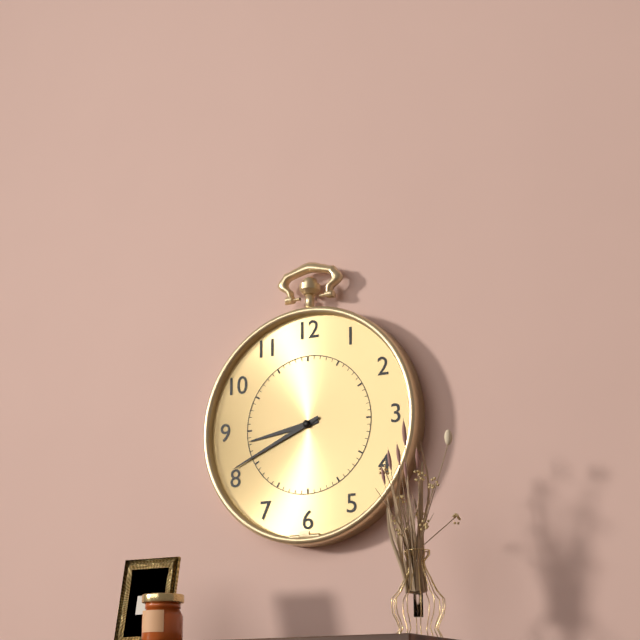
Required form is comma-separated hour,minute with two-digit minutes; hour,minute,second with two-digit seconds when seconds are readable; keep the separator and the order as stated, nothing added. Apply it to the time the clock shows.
8,41
